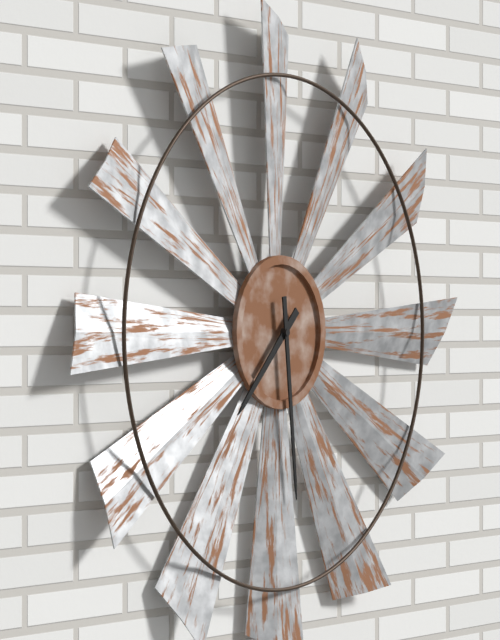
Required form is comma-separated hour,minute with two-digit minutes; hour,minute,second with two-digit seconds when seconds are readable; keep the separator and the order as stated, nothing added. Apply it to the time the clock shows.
7,29
